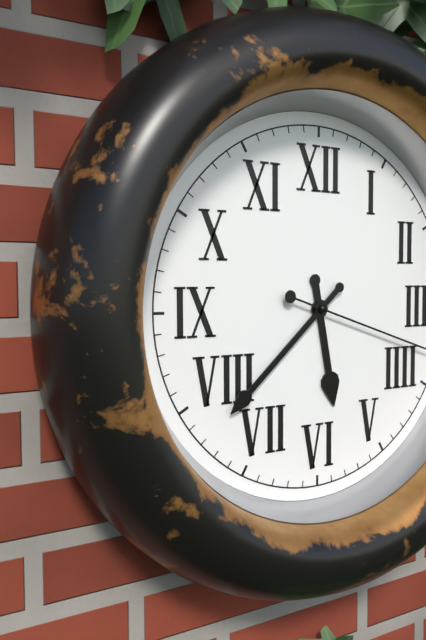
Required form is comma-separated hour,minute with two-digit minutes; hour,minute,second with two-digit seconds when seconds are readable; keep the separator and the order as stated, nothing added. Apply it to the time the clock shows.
5,38
